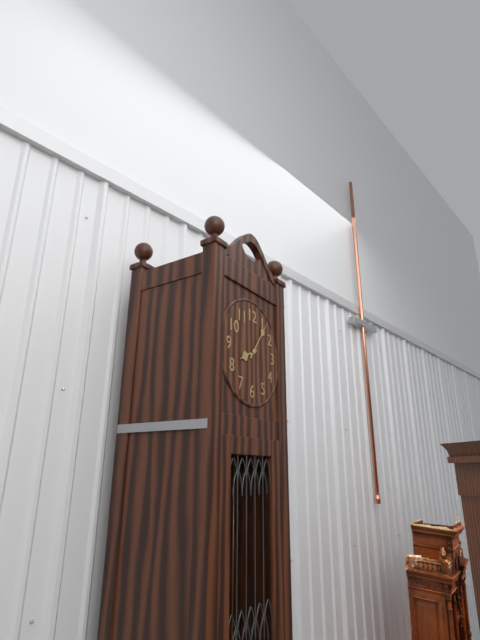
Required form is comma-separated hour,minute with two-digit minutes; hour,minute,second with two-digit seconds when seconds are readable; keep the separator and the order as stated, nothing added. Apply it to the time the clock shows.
8,06
